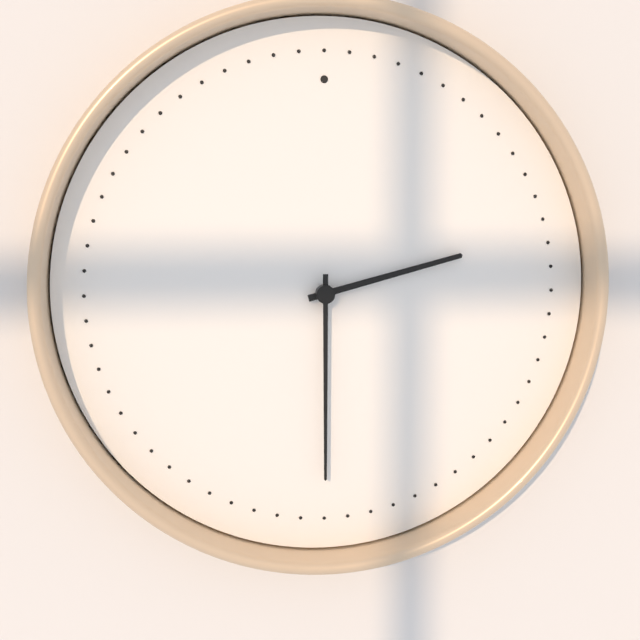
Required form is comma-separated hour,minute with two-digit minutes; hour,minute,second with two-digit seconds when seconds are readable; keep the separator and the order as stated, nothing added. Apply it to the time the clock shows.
2,30
